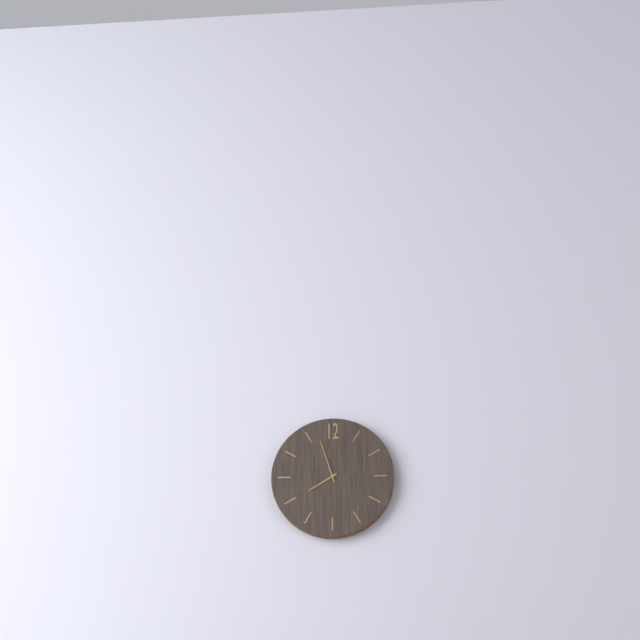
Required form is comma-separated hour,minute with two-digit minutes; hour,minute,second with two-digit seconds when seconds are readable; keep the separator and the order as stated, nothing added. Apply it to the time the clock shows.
7,57
